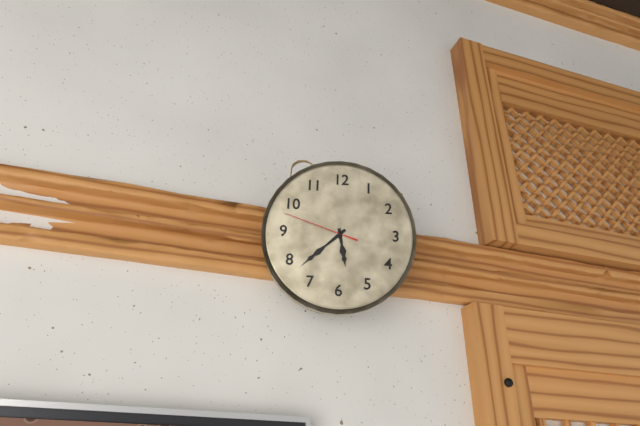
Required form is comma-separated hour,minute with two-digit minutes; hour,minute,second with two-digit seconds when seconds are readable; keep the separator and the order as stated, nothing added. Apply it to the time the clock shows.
5,38,48
